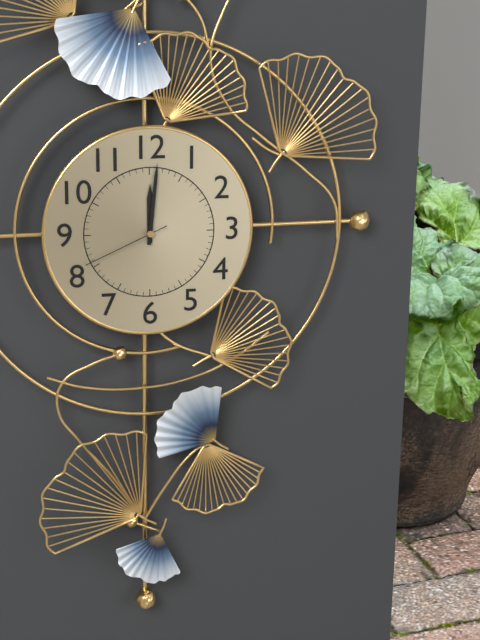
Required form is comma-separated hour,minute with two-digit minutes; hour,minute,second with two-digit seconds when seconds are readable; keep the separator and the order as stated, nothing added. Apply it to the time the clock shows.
12,01,41
